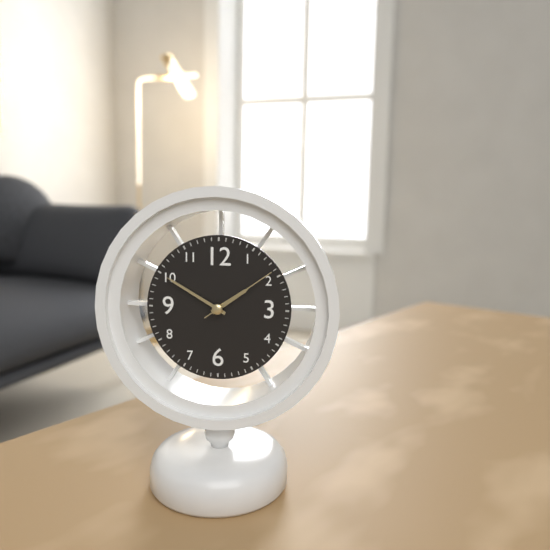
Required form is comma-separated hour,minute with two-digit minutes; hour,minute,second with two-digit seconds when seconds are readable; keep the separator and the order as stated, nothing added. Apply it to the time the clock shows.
1,50,09
